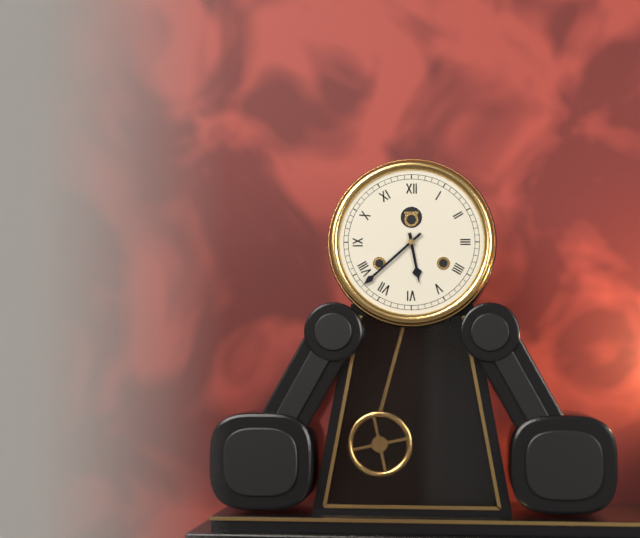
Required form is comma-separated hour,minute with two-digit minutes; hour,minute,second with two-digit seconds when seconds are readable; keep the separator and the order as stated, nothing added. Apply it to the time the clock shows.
5,38
